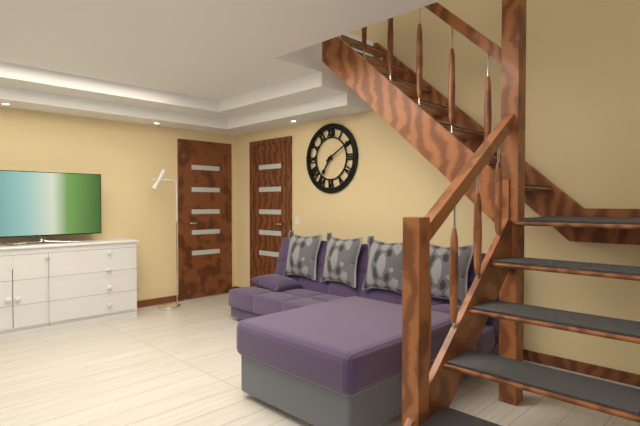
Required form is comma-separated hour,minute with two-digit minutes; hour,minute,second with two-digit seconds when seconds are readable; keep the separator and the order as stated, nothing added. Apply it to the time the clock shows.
7,10
